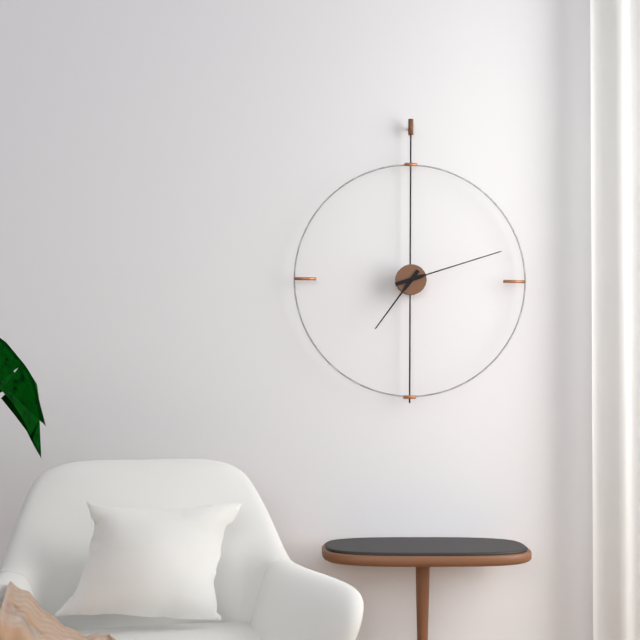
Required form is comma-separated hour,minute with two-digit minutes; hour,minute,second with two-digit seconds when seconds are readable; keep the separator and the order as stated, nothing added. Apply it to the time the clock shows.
7,12
